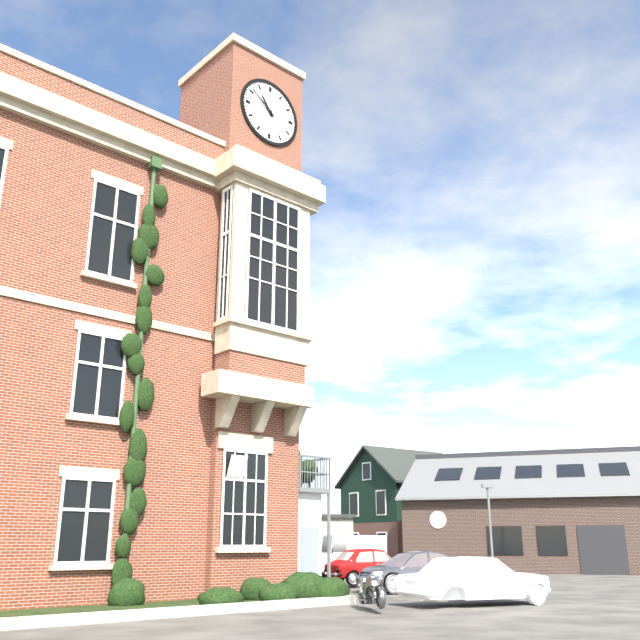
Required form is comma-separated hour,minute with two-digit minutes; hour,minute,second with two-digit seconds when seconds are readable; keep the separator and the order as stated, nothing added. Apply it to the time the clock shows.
10,51
